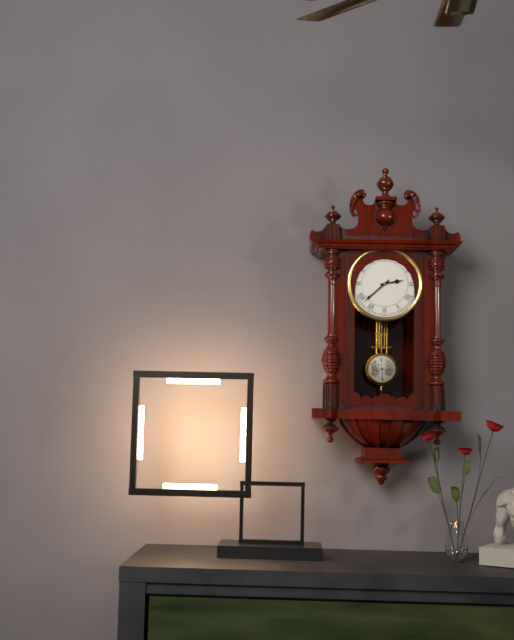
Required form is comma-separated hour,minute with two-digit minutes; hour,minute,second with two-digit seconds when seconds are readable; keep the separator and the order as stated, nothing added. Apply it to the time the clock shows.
2,38
